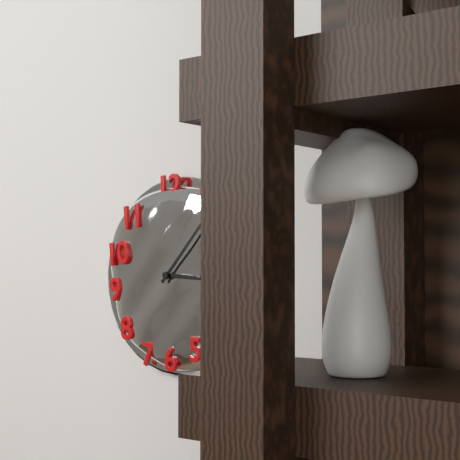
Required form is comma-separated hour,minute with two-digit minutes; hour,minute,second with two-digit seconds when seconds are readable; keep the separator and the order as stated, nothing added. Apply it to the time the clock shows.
3,07
